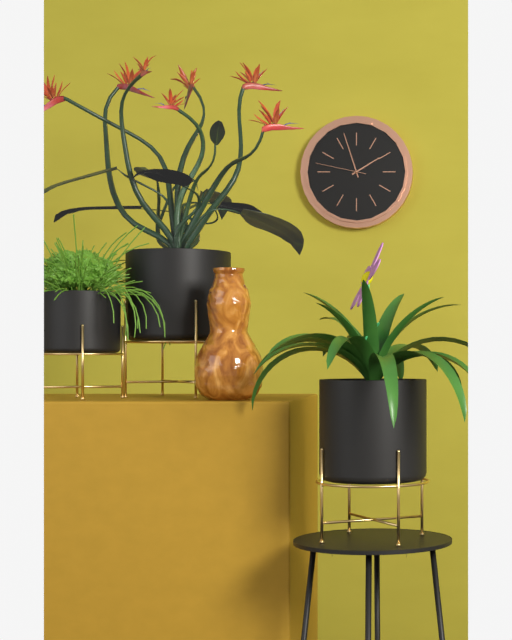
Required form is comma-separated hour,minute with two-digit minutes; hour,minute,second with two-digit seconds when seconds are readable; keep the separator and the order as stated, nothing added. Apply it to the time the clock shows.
1,57,47
